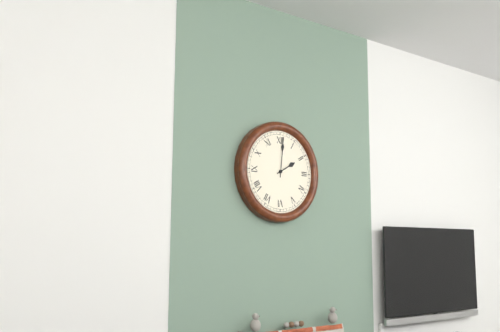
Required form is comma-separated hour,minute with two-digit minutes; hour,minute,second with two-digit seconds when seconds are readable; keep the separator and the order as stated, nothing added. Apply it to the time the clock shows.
2,01
